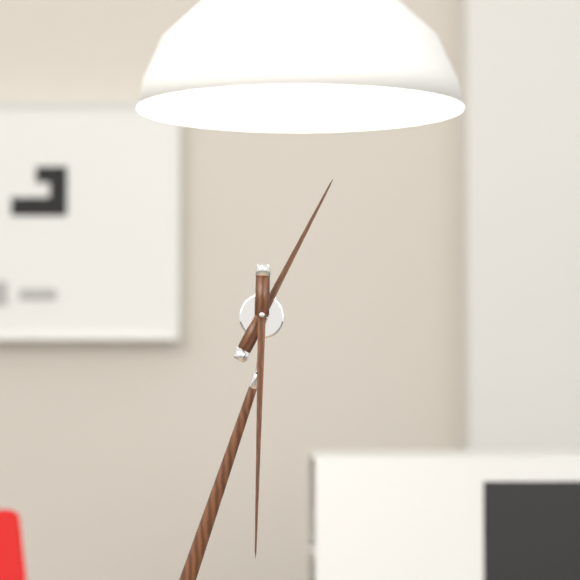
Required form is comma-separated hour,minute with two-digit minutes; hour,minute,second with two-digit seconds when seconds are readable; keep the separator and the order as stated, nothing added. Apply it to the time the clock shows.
12,28
